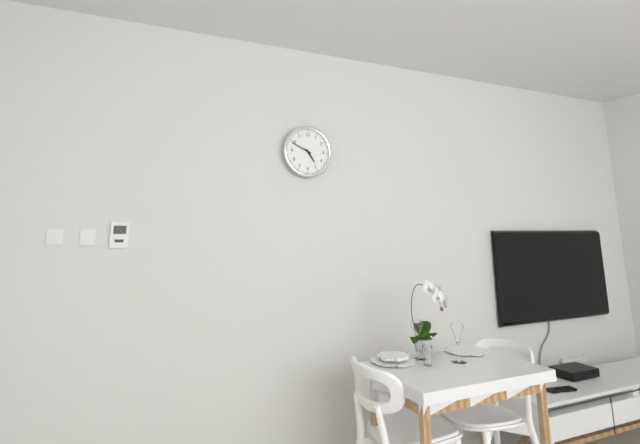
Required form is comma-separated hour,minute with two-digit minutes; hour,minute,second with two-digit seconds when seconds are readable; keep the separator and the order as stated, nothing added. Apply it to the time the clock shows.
4,49
